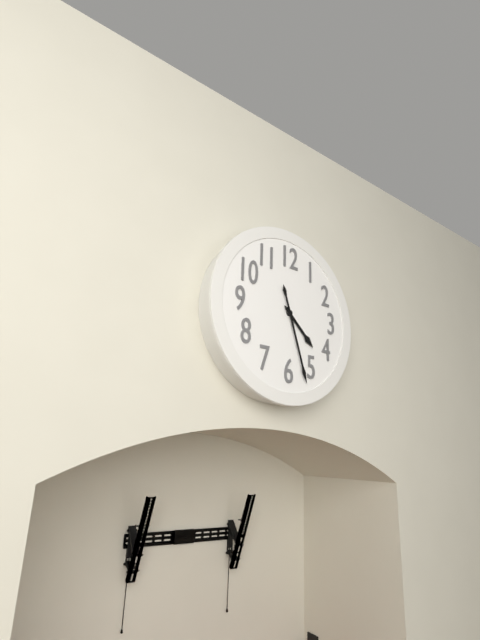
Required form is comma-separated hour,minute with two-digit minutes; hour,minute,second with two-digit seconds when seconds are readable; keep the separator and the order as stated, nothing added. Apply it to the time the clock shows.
4,27
